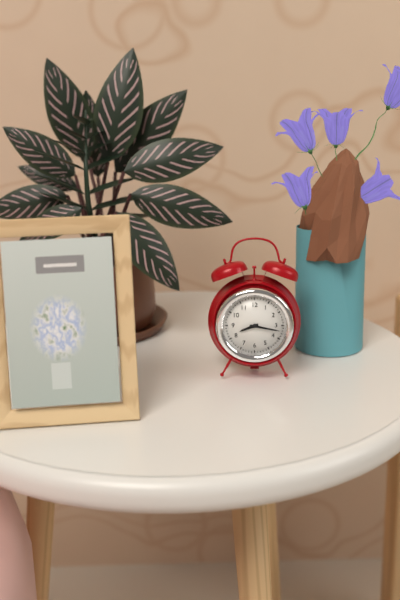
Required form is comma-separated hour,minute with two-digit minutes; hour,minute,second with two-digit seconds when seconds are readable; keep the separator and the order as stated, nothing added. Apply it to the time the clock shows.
8,17
